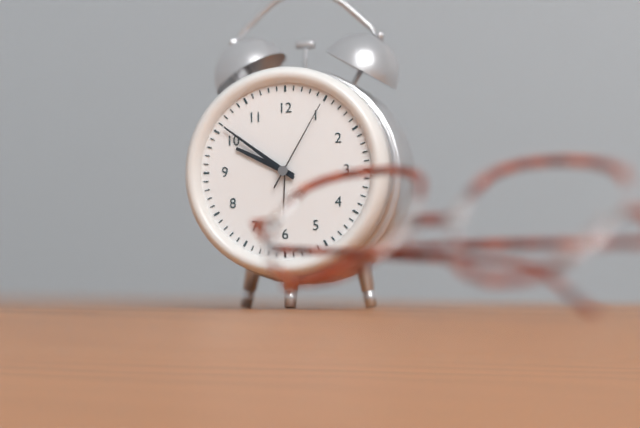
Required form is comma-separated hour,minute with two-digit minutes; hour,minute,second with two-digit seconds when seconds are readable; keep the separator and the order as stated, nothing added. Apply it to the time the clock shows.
9,51,05
